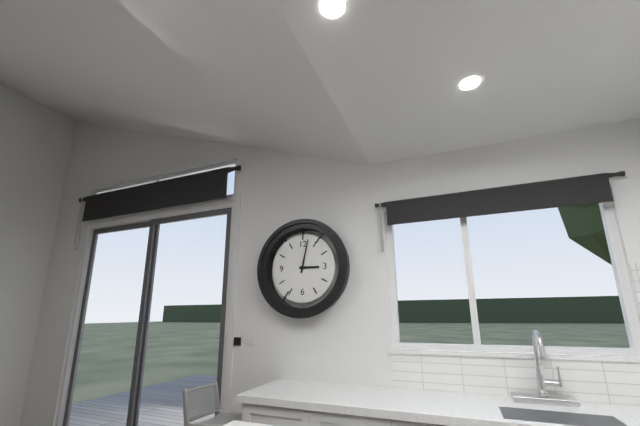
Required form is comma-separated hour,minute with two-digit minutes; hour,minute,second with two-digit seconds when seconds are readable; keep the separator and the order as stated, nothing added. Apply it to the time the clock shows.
3,02
